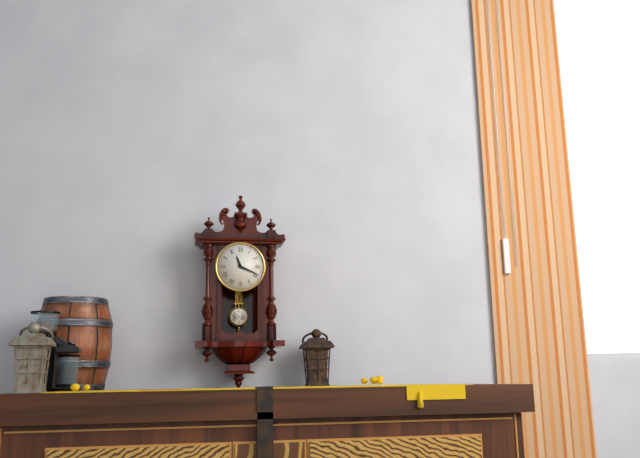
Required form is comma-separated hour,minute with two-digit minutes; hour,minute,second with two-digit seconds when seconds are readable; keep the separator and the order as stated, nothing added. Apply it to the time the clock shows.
11,19
